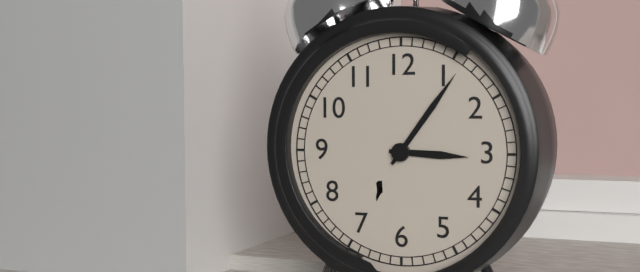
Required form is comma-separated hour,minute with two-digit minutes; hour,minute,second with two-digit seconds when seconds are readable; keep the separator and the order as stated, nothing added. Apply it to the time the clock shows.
3,06
